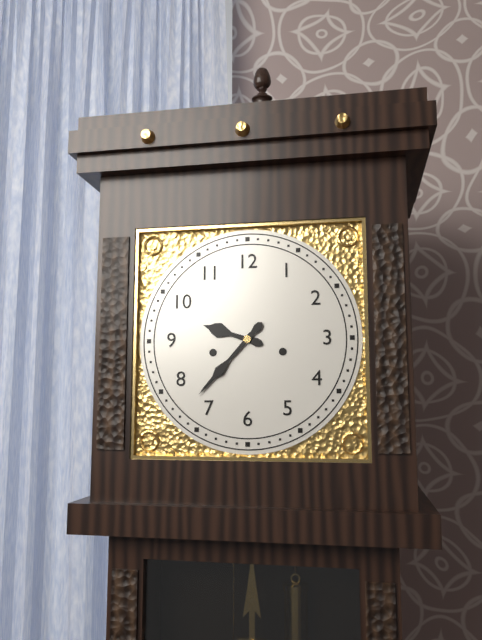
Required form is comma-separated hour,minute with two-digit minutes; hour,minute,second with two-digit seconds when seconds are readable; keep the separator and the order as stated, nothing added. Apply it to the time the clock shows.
9,37
